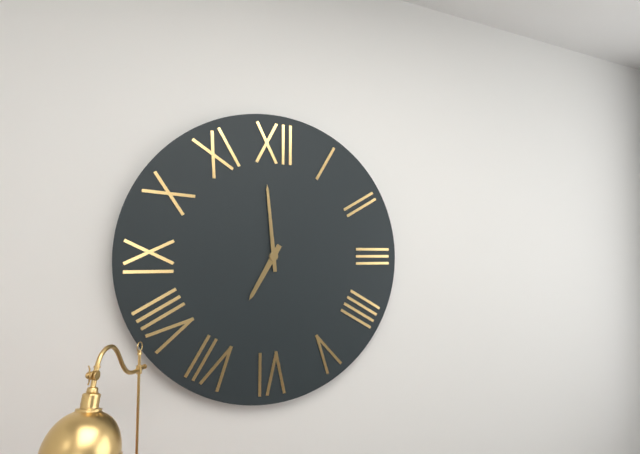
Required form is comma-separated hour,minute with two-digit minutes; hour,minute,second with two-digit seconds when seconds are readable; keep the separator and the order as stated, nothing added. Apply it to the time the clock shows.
6,59
